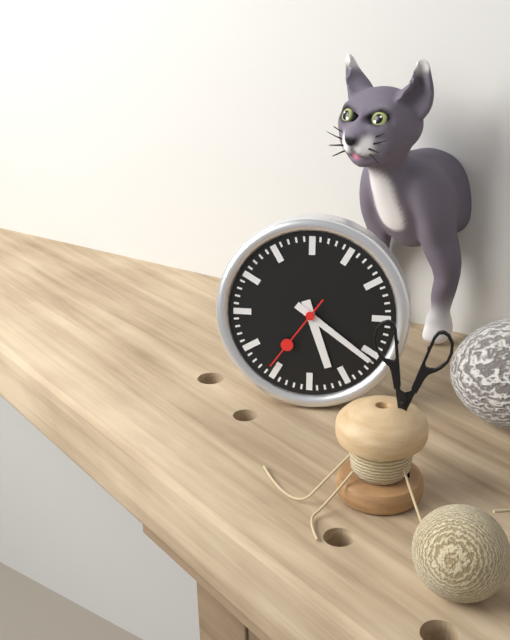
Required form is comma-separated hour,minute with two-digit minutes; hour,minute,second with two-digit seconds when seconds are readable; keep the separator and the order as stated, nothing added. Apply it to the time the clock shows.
5,21,36
